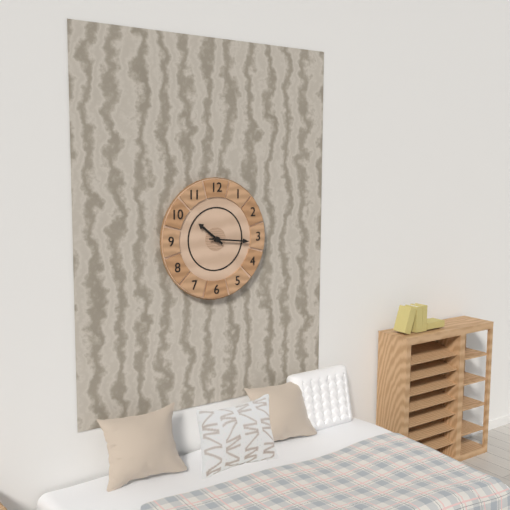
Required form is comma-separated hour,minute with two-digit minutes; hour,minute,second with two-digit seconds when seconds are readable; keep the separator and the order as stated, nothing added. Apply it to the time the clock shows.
10,16
